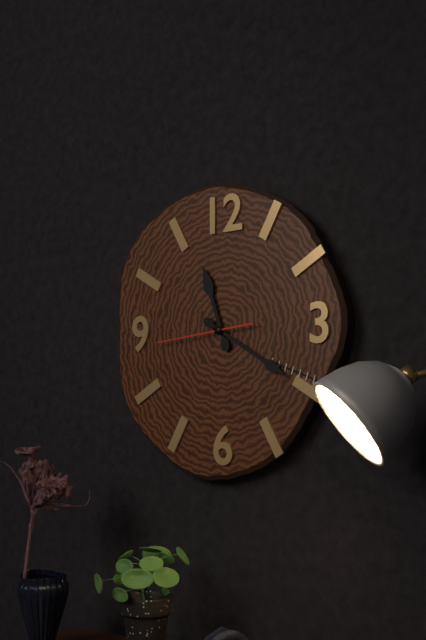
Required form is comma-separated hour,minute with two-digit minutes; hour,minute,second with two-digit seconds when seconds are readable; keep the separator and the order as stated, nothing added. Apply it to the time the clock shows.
11,20,44
